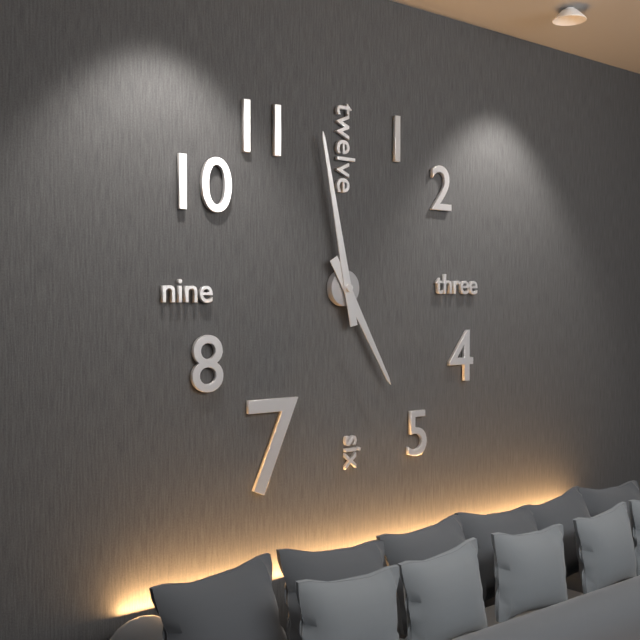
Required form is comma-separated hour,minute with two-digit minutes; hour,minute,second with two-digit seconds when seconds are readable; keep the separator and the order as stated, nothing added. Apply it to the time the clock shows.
4,58
